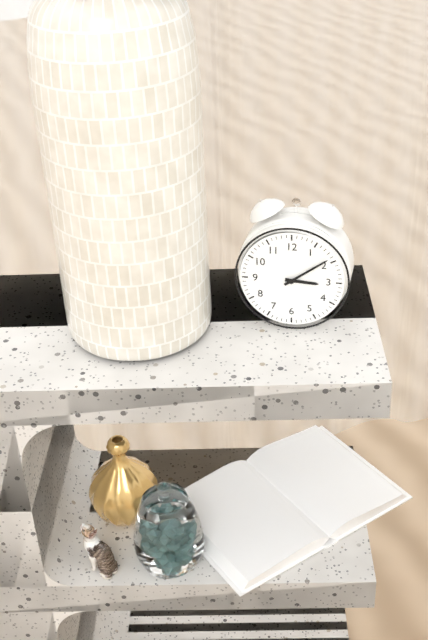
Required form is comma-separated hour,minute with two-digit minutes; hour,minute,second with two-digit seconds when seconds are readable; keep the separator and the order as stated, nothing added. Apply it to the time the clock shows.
3,09
